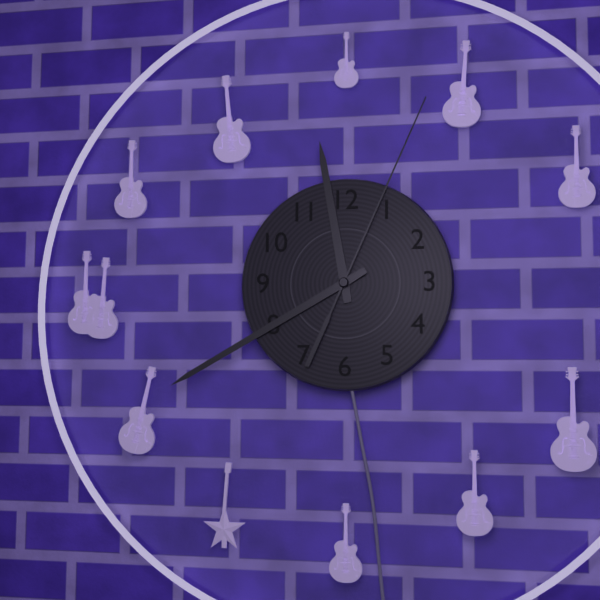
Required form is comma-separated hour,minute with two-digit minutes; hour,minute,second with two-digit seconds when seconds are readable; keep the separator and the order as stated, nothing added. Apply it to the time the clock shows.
11,40,04
